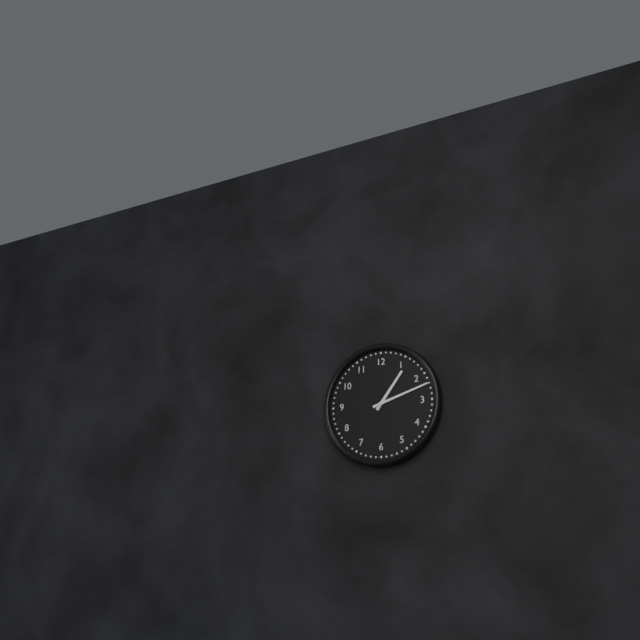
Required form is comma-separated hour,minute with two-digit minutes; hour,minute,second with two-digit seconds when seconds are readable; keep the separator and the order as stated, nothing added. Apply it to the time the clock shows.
1,12
